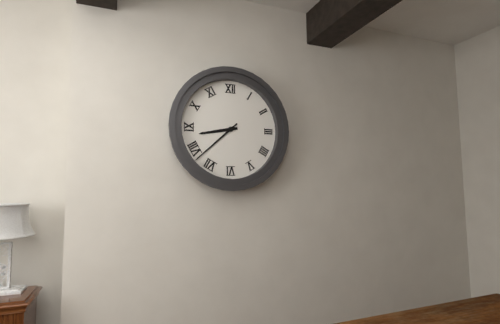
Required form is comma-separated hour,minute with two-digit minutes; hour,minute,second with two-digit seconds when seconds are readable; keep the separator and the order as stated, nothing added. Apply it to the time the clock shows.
8,38
